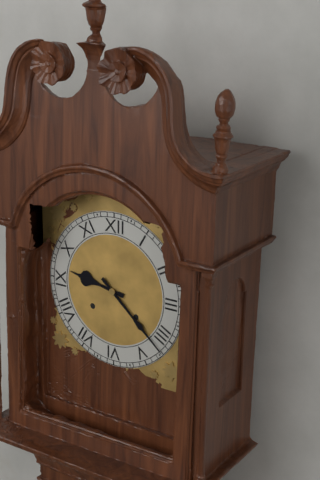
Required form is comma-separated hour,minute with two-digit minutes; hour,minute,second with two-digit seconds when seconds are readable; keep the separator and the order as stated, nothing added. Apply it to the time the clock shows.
9,22
